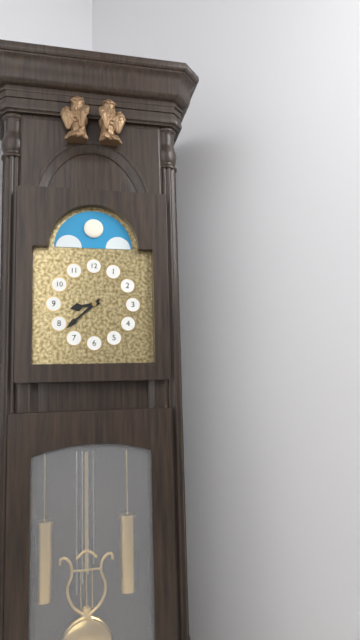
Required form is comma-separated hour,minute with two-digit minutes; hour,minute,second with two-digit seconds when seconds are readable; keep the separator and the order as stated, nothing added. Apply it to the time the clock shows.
8,38
